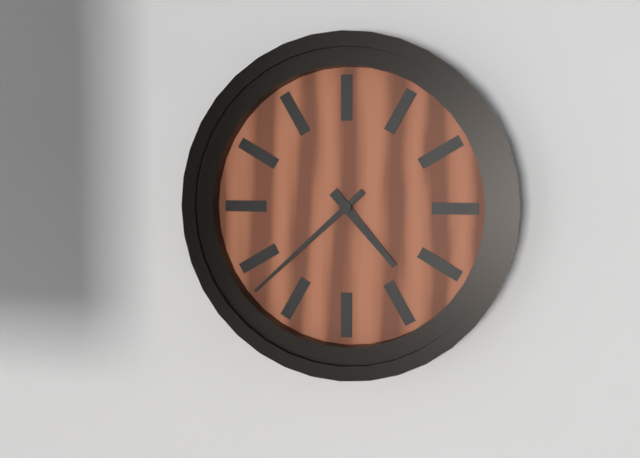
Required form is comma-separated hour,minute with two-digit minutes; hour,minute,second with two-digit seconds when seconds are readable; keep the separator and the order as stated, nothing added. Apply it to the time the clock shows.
4,38
